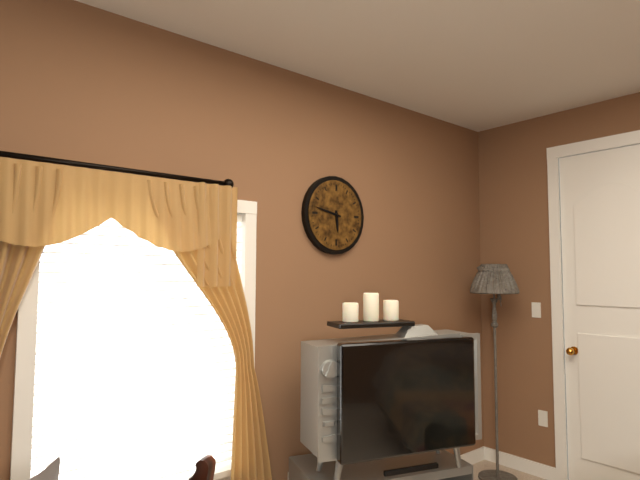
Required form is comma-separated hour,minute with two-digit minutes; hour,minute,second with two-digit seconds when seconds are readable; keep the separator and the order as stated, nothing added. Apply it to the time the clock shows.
5,47
